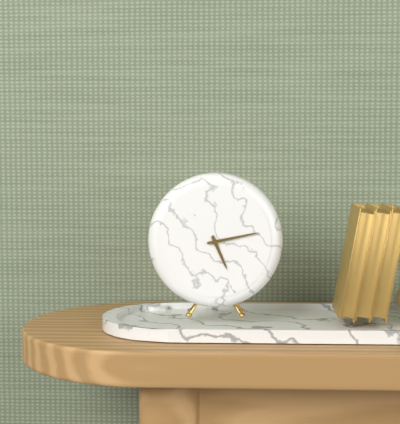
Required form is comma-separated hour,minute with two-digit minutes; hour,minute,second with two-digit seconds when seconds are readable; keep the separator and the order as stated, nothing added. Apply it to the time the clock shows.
5,13
